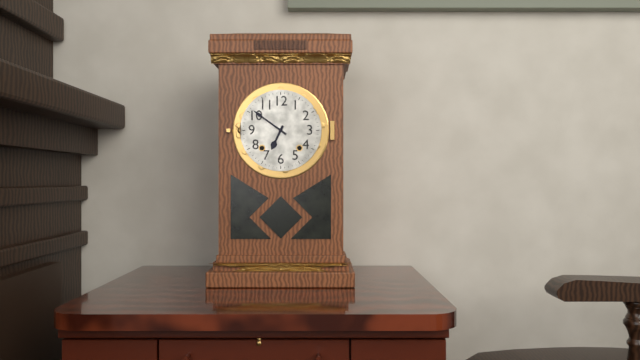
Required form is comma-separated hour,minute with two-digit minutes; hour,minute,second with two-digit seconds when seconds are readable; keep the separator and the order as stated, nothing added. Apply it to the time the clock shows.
6,51
